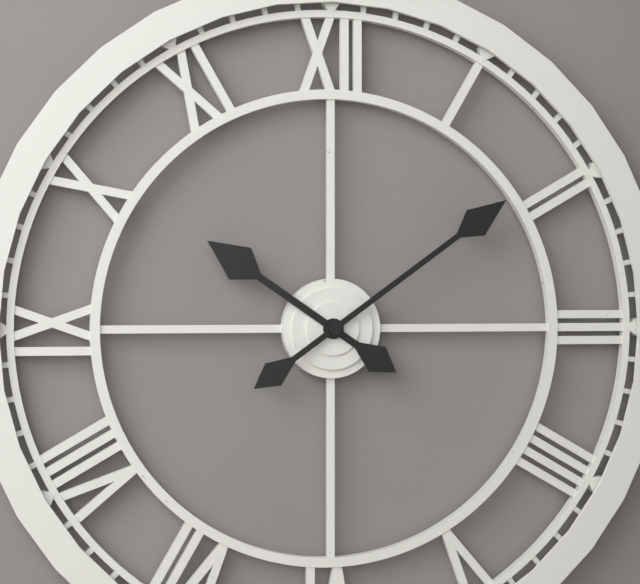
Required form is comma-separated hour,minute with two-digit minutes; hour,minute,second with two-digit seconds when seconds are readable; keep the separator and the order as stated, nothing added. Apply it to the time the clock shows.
10,09
